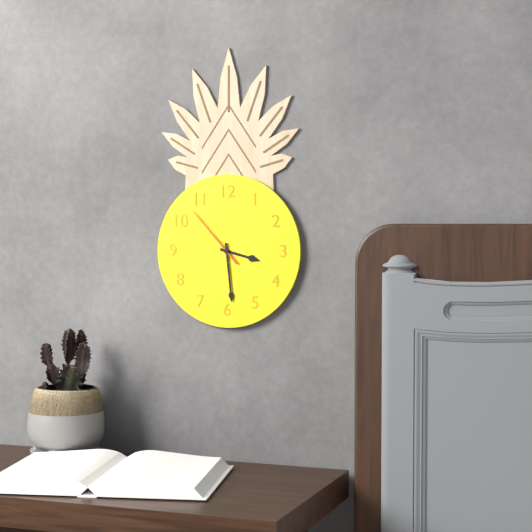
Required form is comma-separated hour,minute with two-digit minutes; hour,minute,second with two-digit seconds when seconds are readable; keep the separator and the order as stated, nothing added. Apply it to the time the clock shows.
3,29,53
